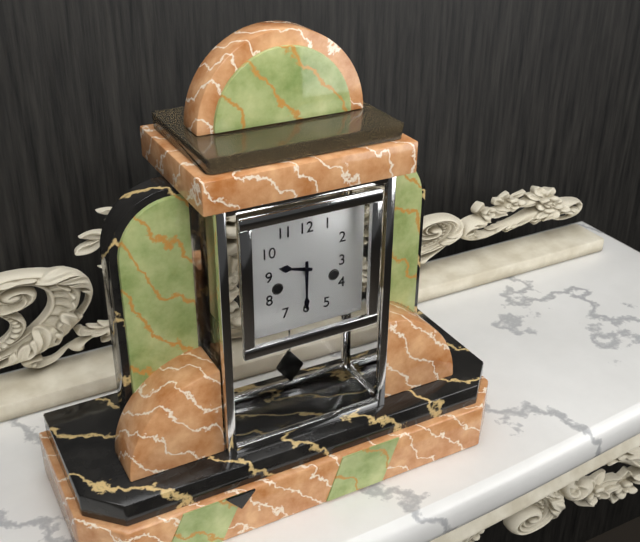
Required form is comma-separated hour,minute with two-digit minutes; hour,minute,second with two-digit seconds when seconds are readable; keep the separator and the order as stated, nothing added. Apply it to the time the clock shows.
9,30
